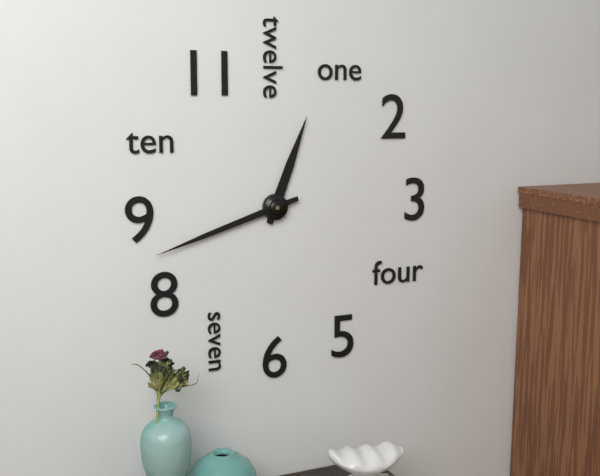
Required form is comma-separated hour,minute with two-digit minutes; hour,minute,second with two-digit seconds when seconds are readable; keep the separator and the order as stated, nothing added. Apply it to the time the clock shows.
12,42
